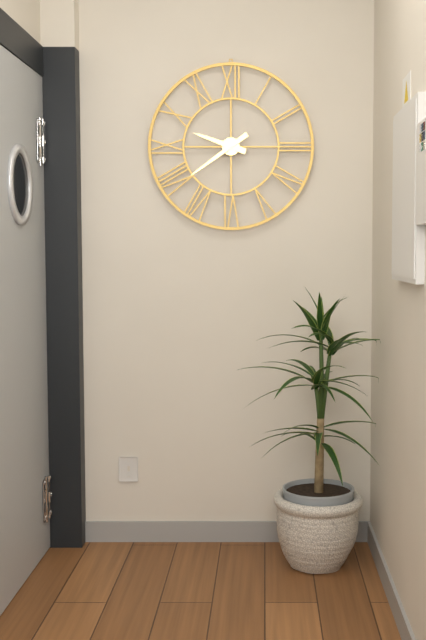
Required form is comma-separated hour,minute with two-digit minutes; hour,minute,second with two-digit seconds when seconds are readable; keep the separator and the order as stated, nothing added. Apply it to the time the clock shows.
9,39
